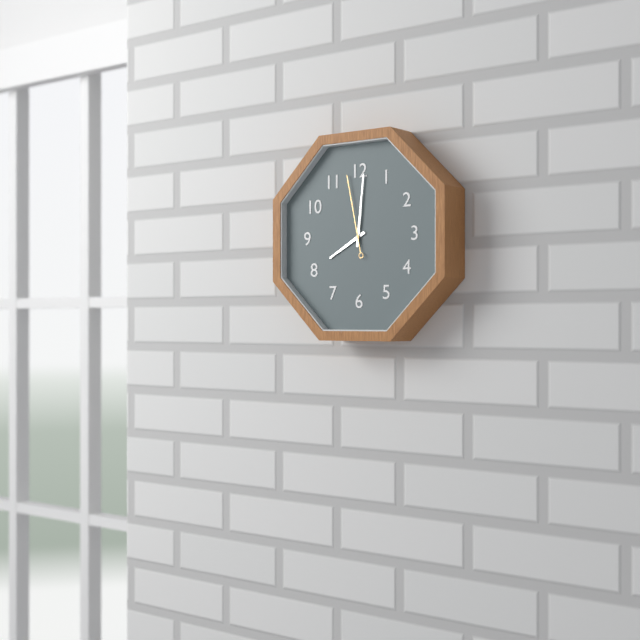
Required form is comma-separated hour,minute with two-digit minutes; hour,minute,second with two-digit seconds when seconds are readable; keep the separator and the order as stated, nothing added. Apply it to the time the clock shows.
8,01,58
